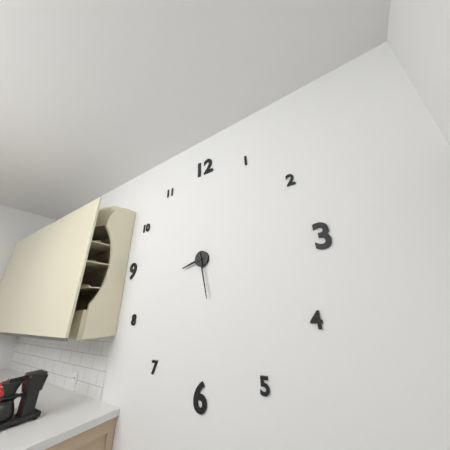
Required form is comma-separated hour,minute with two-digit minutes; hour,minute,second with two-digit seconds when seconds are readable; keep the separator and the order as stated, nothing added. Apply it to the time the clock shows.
8,28
